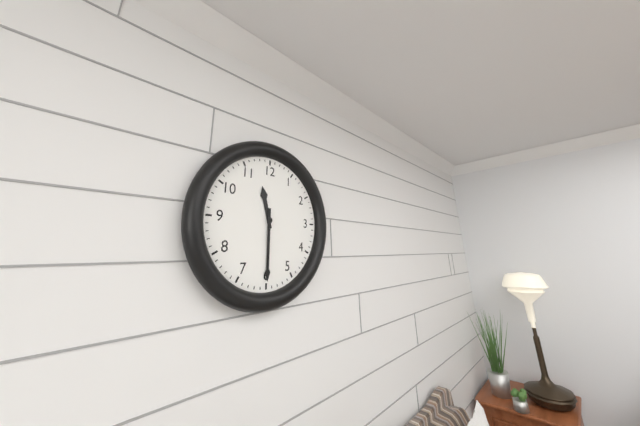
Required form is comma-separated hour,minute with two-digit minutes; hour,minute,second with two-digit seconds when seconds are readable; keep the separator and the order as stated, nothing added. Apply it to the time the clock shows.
11,30
